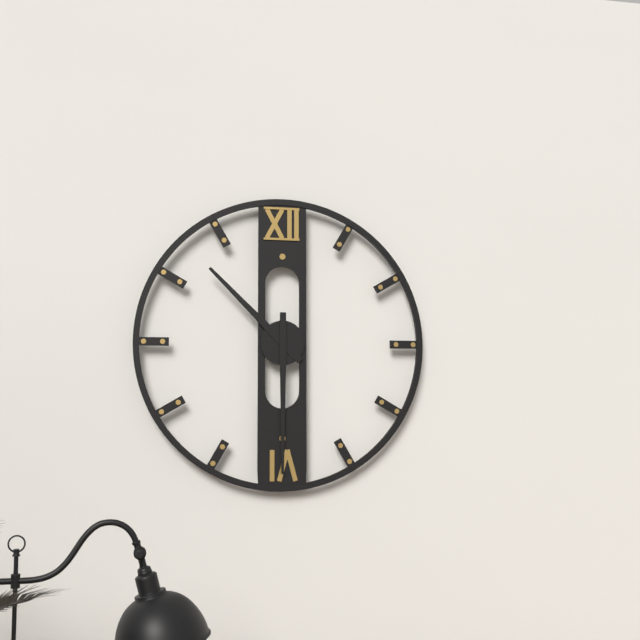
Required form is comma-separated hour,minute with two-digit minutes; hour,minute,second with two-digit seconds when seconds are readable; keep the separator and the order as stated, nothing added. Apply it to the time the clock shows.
10,30
